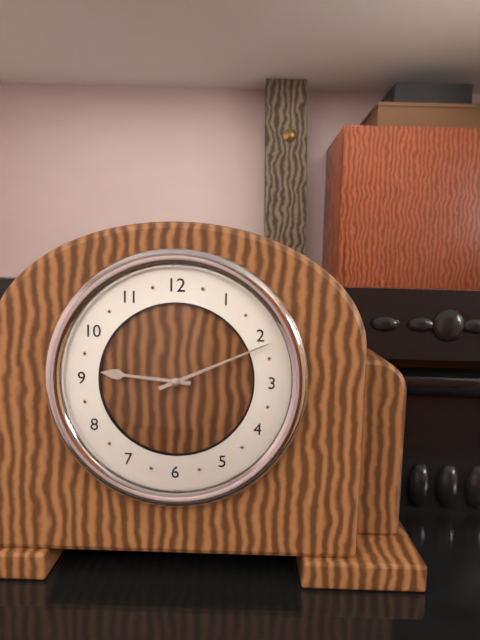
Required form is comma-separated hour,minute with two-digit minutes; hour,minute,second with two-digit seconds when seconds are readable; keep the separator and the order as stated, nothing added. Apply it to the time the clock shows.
9,11
